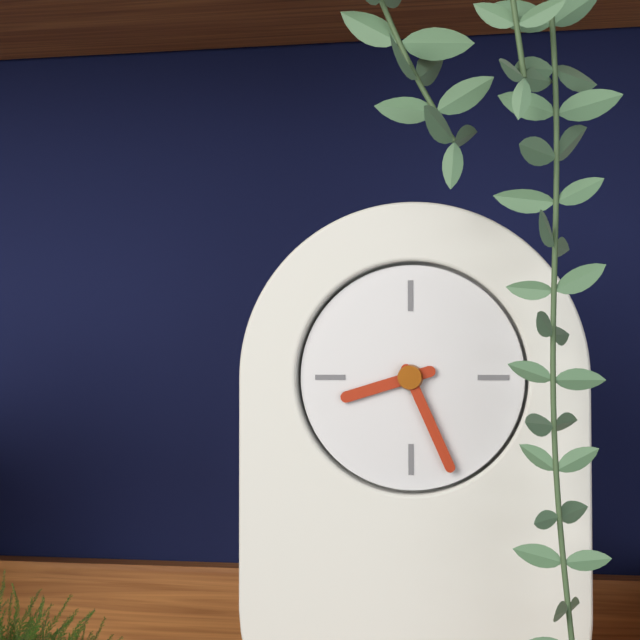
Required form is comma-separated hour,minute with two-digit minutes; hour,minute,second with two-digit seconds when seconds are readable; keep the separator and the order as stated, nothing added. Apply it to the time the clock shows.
8,26
